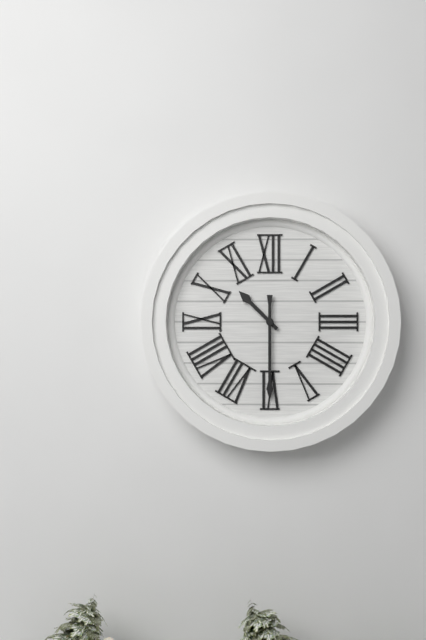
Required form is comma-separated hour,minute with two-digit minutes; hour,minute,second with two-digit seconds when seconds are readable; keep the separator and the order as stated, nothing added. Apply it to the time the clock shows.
10,30
